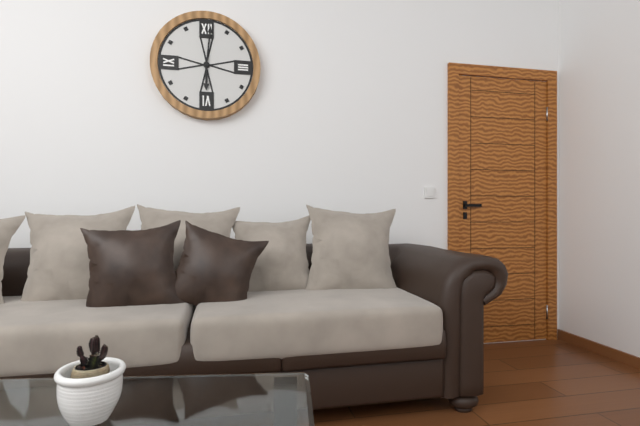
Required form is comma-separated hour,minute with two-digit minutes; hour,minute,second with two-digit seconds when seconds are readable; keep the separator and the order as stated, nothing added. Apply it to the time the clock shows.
6,01
